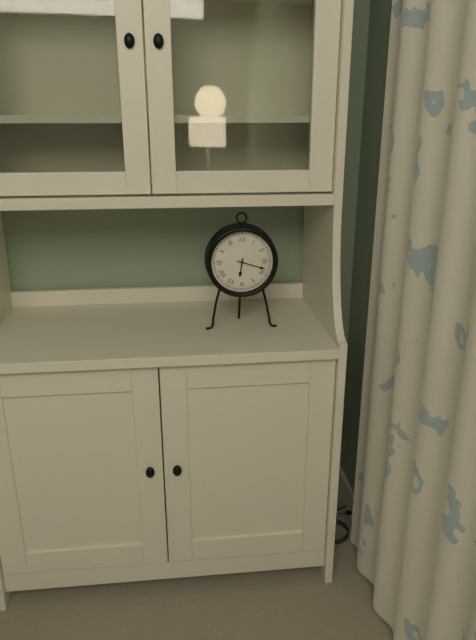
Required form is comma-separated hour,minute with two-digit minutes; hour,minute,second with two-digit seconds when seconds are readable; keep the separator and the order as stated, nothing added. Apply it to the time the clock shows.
6,18
